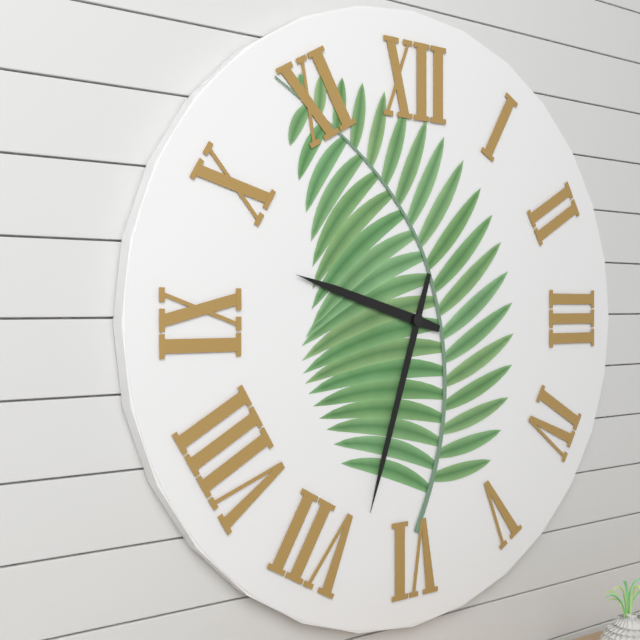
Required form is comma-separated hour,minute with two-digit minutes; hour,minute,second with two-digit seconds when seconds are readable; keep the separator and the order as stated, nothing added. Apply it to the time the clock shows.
9,33
